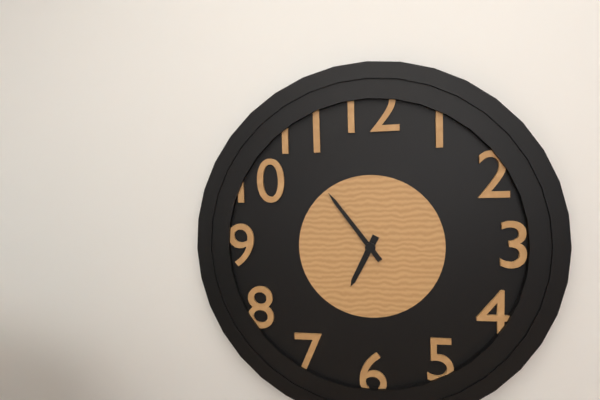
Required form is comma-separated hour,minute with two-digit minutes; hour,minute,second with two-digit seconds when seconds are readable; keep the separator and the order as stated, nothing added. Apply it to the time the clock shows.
6,54
